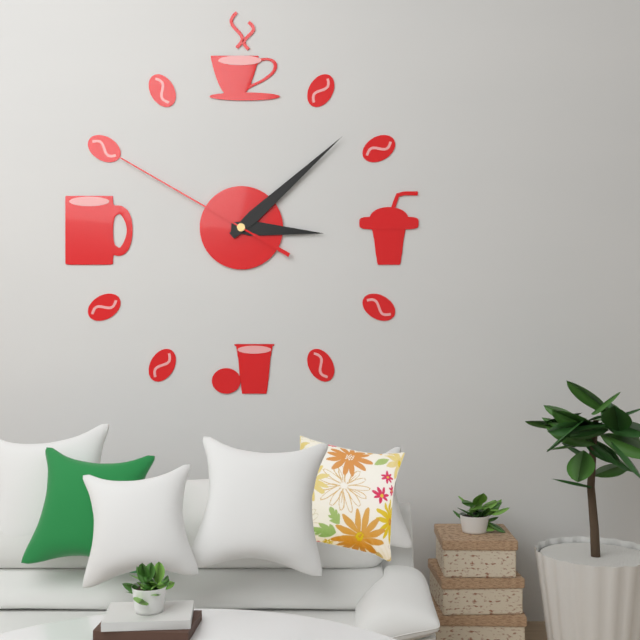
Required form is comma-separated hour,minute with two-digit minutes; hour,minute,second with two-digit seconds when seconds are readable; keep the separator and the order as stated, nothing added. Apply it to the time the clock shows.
3,08,50
